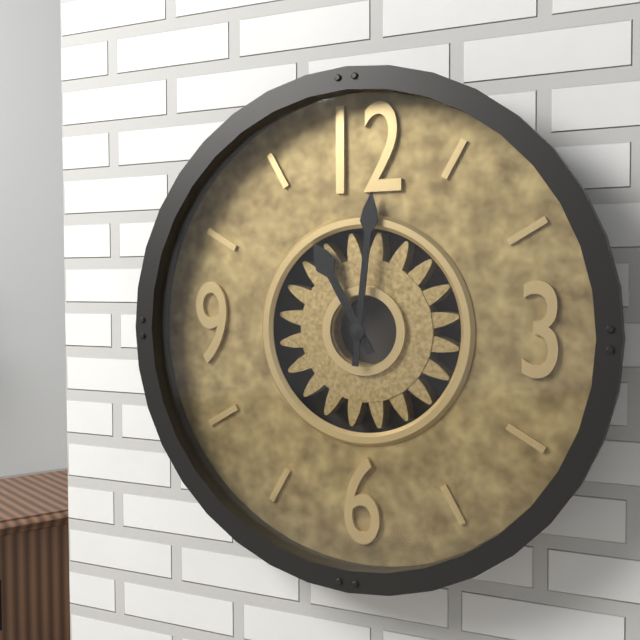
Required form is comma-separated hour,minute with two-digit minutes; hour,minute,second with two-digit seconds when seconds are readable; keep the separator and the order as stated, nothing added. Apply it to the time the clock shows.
11,01
